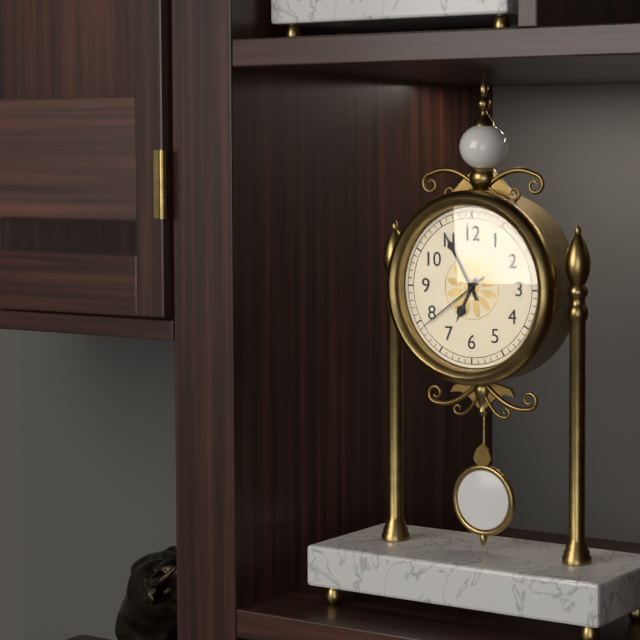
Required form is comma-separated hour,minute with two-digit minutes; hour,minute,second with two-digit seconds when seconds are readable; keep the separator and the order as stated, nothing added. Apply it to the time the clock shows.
6,55,39
